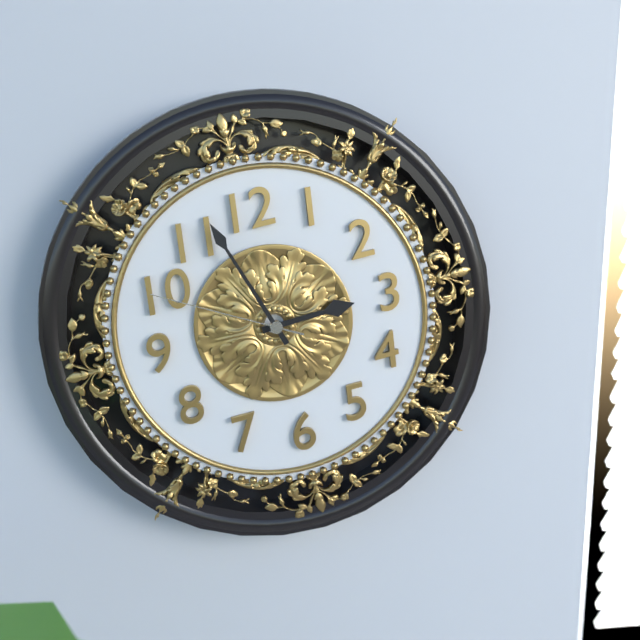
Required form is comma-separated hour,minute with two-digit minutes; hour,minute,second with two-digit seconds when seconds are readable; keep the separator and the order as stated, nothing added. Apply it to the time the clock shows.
2,57,50
